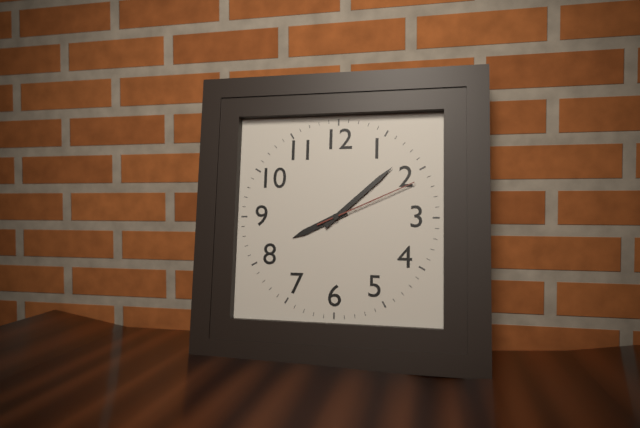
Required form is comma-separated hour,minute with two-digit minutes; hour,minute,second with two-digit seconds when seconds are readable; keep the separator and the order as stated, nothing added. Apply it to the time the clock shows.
8,08,11
